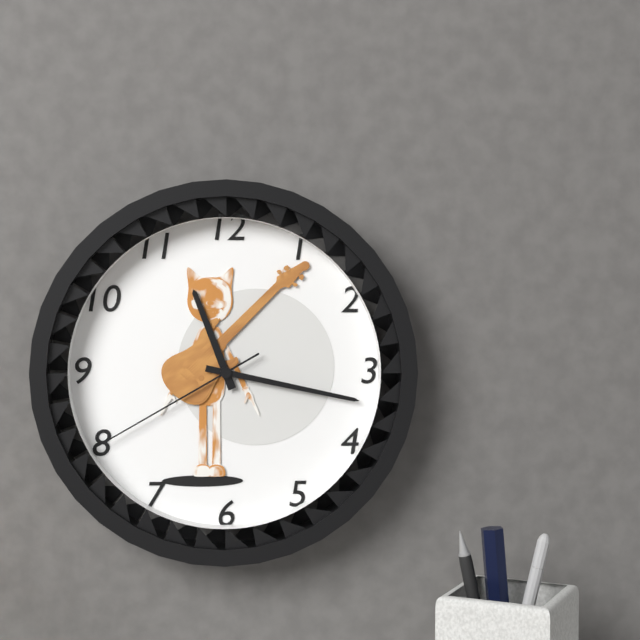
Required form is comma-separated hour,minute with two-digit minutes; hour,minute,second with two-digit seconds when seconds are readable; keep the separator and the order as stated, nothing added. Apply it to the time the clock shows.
11,17,40
